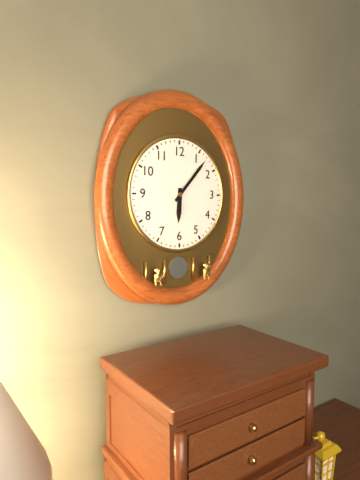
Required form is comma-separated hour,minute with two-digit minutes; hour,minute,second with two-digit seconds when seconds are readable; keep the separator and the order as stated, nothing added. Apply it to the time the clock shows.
6,07
